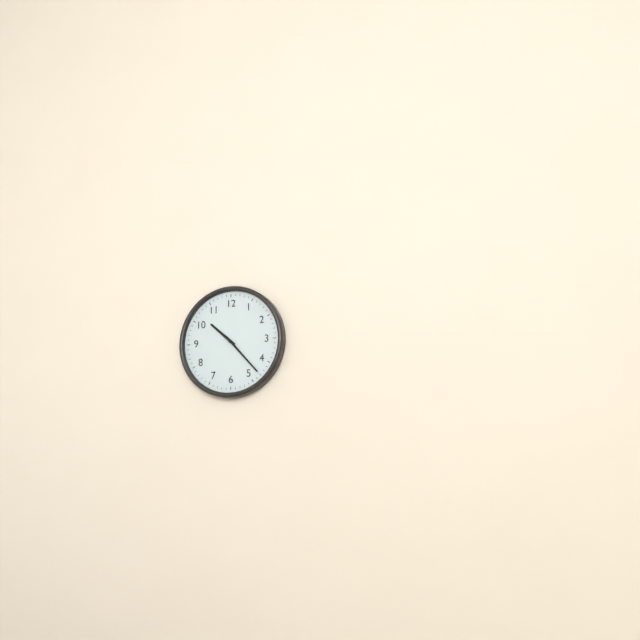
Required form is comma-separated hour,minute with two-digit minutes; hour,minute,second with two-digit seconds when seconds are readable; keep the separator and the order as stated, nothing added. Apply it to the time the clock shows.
10,23
